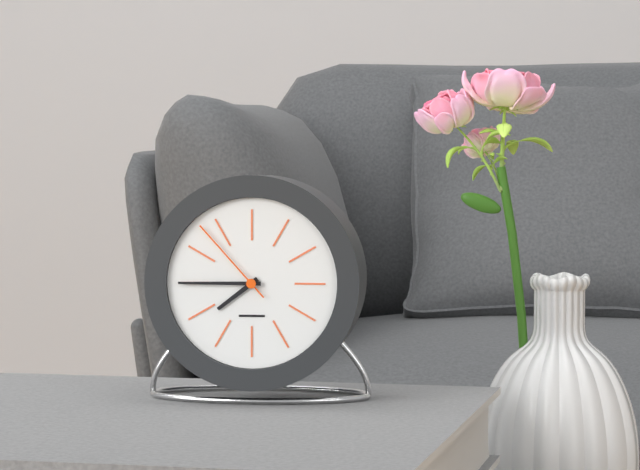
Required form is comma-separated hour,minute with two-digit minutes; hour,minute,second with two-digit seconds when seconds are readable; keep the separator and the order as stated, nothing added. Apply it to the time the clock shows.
7,45,53
